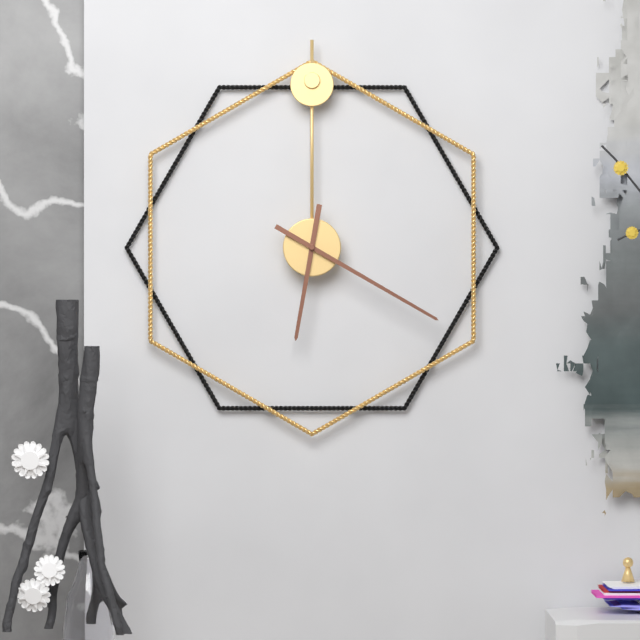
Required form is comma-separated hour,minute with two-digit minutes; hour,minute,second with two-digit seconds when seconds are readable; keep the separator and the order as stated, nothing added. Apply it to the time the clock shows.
6,20
